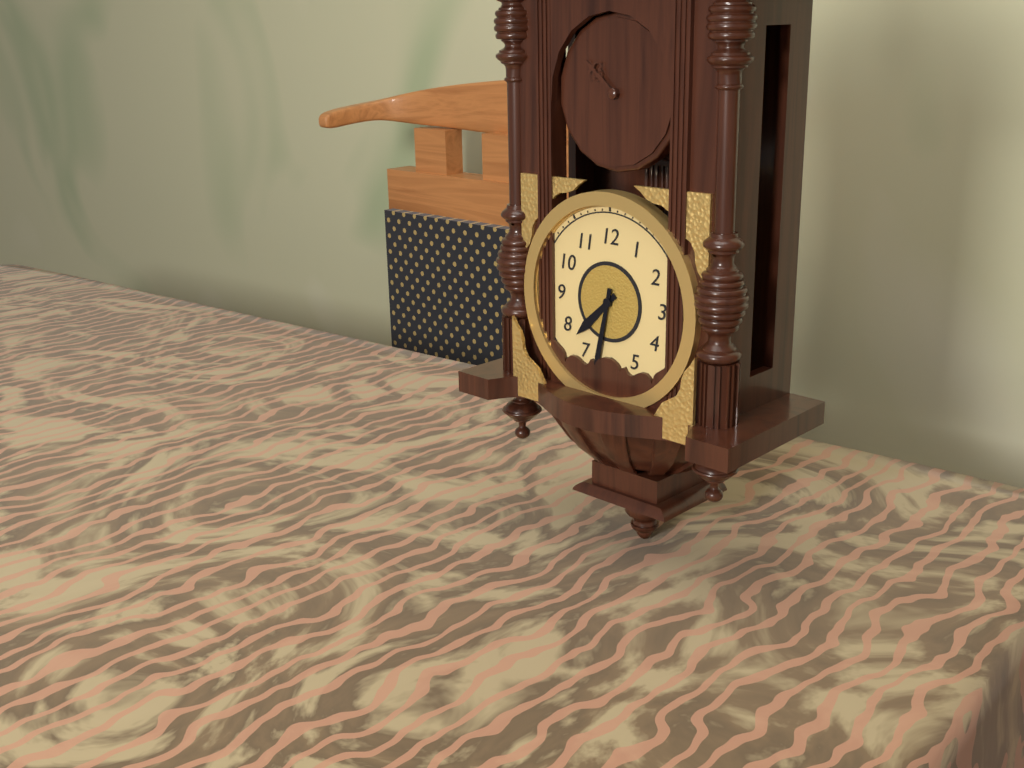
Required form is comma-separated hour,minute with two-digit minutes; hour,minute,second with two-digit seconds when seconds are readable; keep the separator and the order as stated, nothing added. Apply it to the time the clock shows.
7,32
